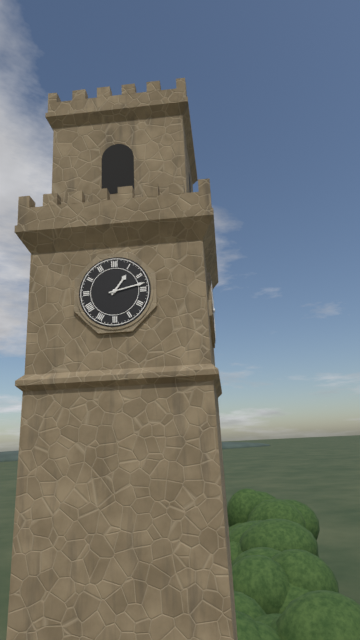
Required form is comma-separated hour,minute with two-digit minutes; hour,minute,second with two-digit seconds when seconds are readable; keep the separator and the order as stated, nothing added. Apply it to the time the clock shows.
1,13
